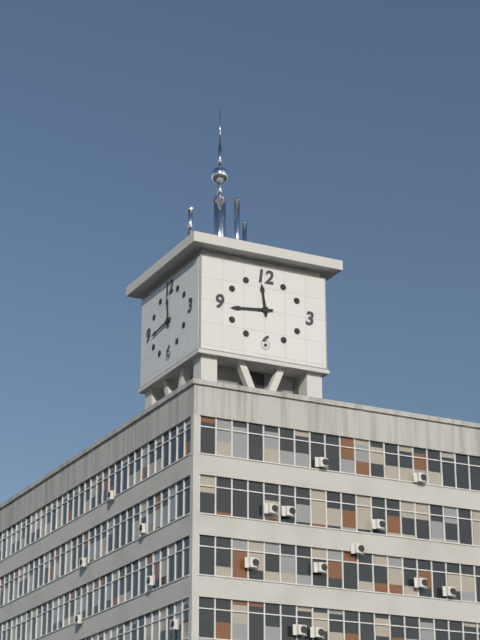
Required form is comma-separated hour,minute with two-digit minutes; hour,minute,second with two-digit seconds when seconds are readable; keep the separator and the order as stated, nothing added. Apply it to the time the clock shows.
11,44
